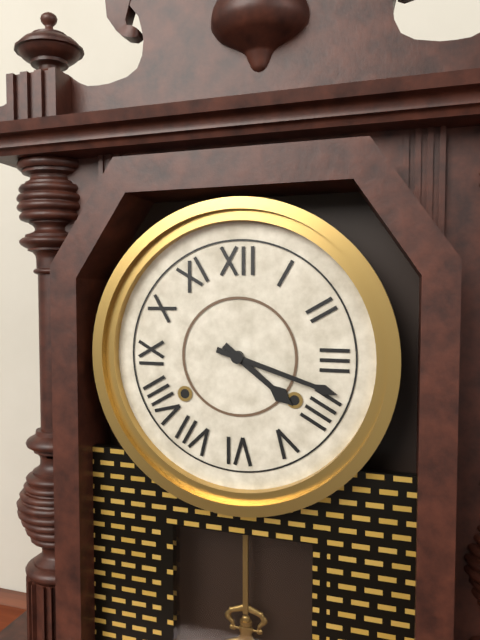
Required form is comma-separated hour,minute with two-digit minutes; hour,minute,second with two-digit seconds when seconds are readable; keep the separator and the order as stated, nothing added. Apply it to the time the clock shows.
4,18
